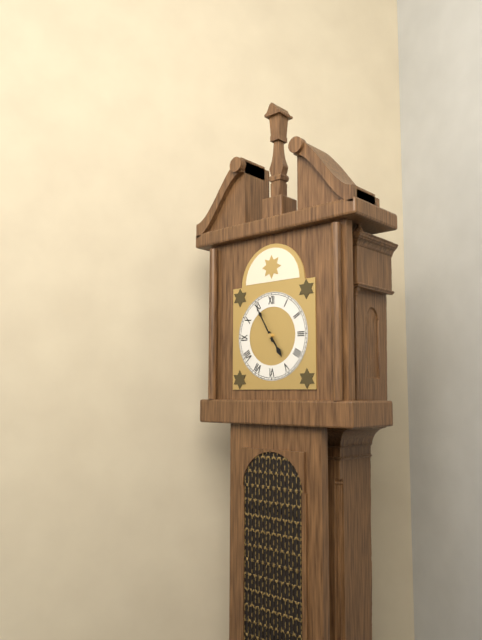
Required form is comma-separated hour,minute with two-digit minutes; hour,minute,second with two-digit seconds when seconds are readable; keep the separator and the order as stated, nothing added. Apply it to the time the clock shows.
4,55
